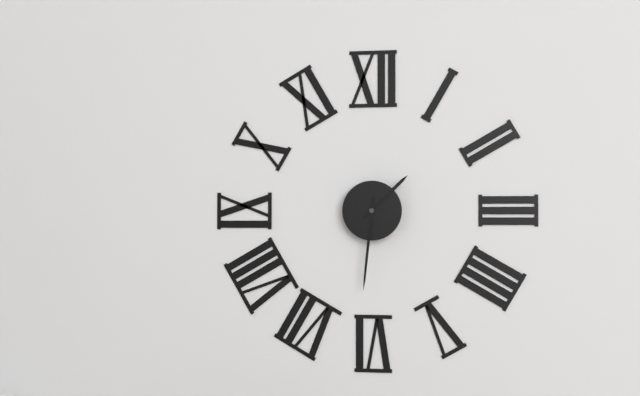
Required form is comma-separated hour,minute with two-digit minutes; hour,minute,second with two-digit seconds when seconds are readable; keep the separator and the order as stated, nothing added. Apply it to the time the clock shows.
1,31
